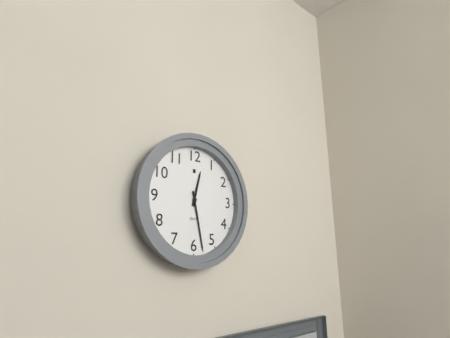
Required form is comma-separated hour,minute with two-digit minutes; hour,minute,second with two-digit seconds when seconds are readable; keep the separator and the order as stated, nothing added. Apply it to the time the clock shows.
12,28
